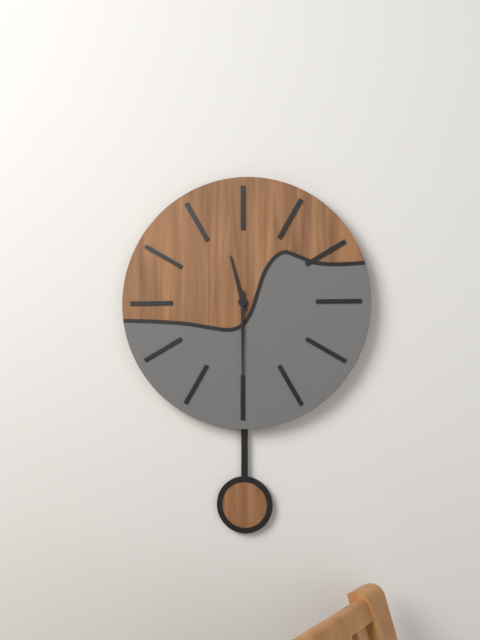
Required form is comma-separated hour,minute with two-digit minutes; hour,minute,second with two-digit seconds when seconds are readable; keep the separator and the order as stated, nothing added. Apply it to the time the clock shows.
11,30
